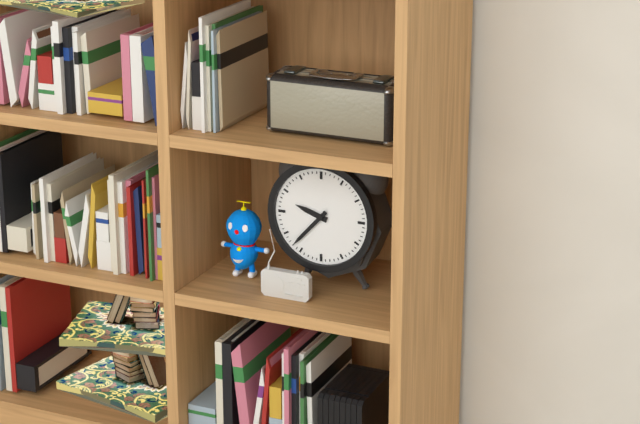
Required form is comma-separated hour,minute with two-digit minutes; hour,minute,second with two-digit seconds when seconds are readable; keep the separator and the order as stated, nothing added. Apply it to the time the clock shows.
9,37
